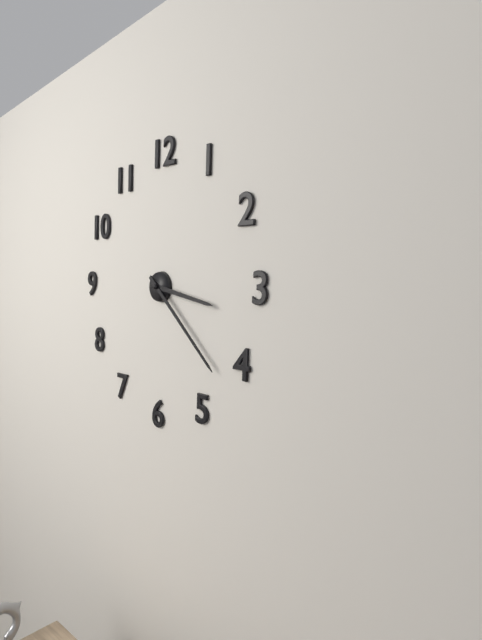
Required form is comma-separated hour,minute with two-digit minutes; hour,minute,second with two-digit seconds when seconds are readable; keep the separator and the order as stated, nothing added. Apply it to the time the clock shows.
3,22
